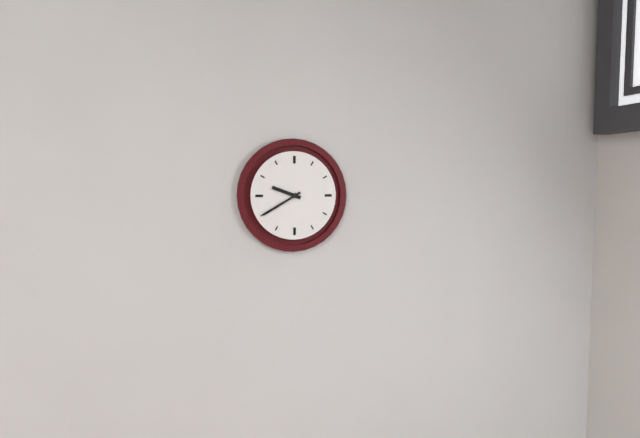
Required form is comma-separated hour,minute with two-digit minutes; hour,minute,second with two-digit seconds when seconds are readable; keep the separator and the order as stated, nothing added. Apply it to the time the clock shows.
9,40
